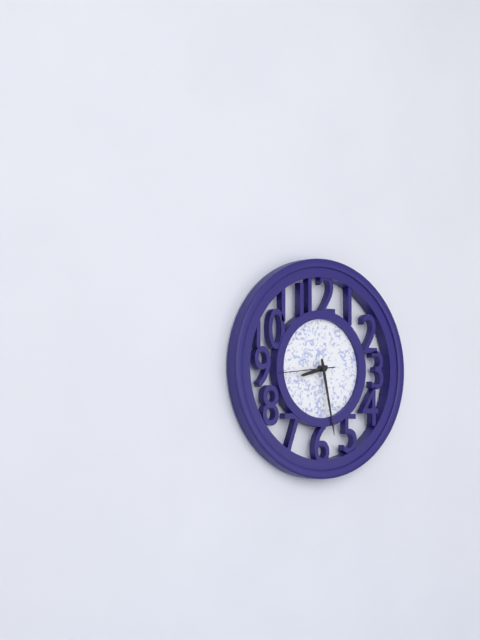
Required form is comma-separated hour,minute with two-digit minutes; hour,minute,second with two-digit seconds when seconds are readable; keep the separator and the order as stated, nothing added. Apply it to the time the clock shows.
8,28
